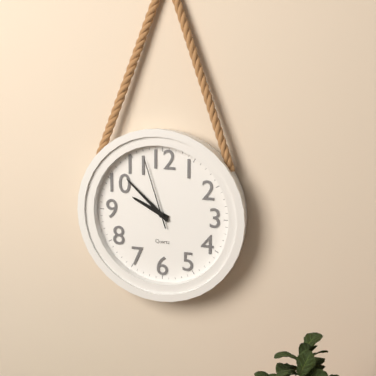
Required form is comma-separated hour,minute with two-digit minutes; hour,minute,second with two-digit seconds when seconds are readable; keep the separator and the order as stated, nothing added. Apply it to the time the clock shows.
9,52,57
